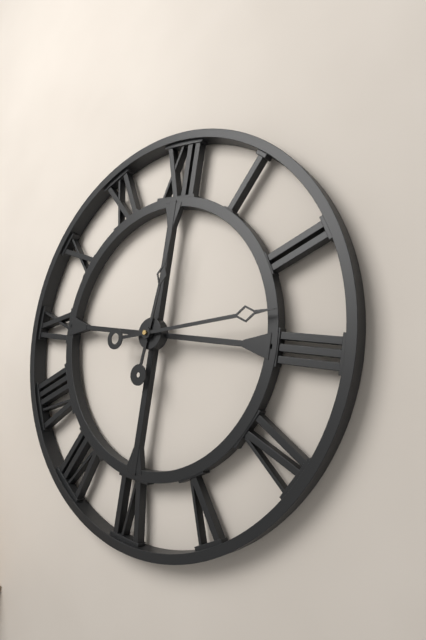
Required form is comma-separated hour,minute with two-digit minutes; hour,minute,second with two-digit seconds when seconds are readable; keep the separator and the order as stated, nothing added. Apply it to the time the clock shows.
12,13
